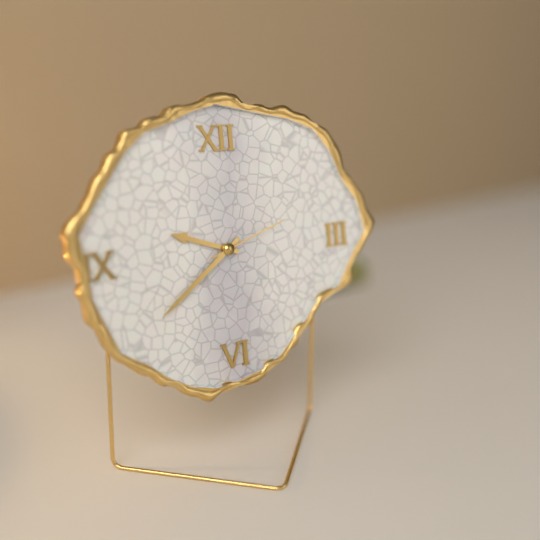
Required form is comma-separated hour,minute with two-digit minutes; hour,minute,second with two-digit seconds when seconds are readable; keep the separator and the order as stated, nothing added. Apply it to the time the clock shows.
9,39,12
